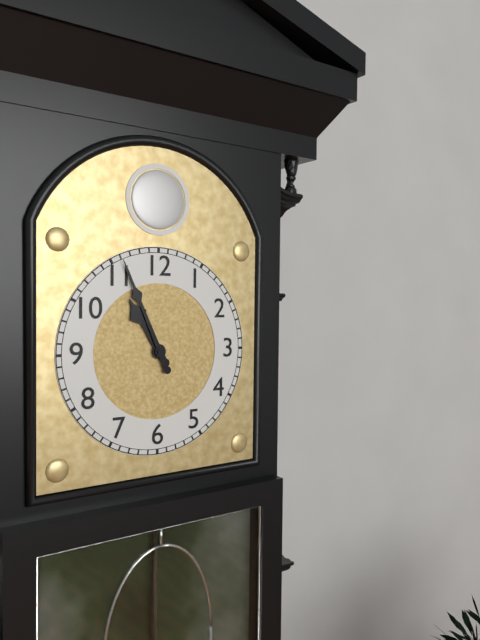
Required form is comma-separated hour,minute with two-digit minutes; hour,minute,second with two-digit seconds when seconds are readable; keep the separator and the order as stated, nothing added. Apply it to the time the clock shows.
10,56
